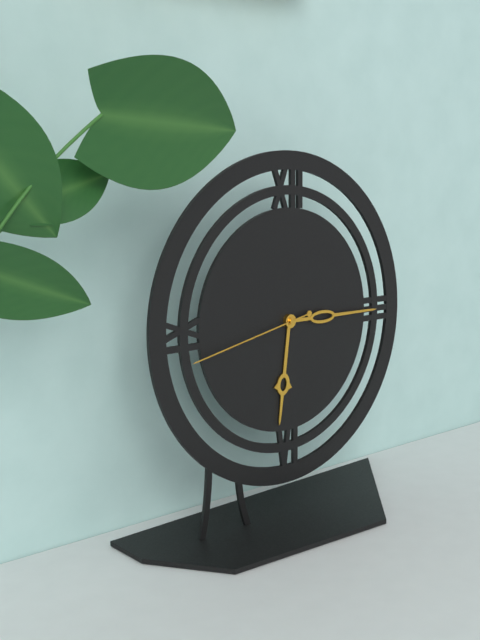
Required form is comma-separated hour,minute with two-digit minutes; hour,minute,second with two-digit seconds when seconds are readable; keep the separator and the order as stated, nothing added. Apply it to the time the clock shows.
6,15,43
